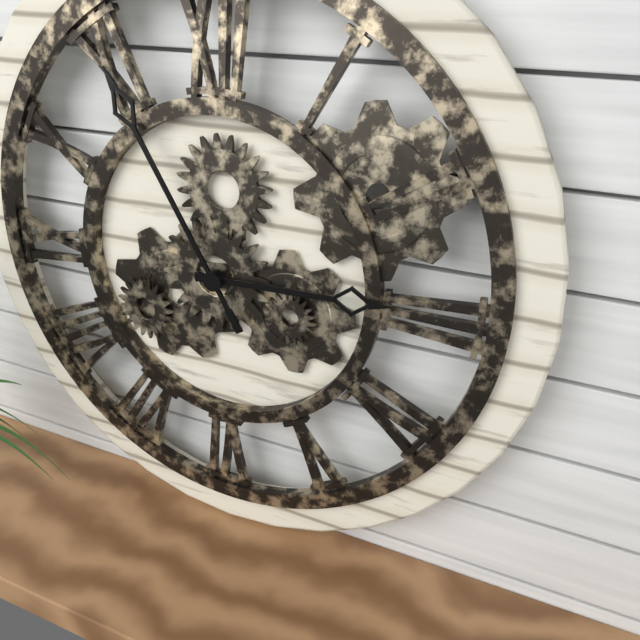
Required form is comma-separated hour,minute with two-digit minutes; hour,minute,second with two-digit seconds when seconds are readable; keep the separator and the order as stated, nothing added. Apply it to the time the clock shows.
2,55
